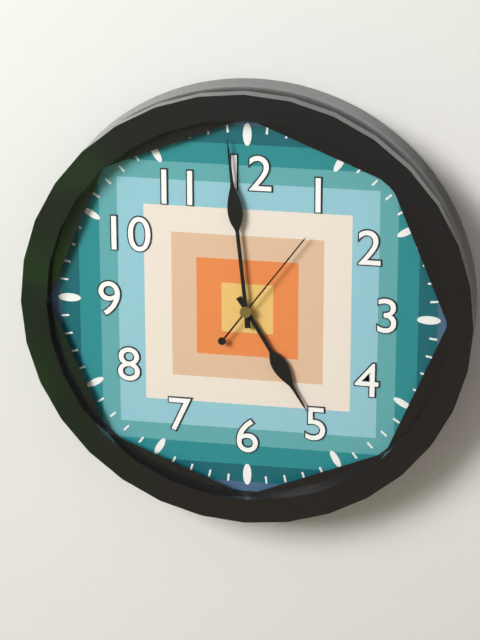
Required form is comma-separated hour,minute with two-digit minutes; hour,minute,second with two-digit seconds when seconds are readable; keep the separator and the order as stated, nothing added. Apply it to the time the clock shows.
4,59,06
